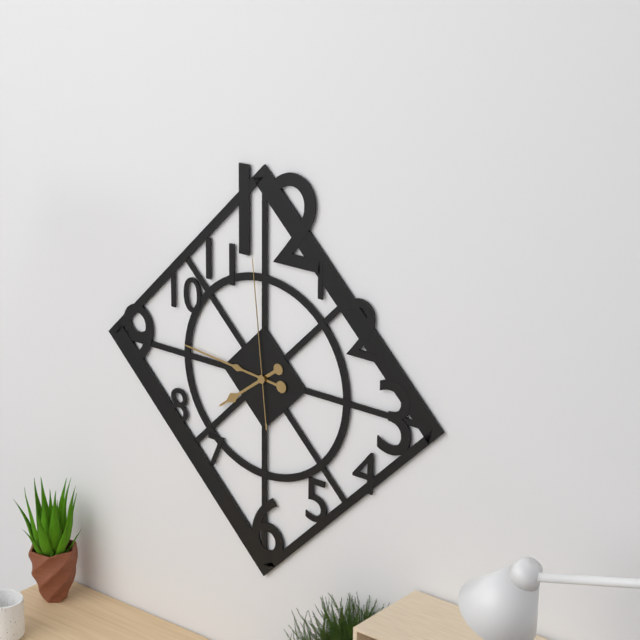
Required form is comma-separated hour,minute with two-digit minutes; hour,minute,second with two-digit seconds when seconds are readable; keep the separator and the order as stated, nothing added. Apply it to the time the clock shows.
7,46,59
